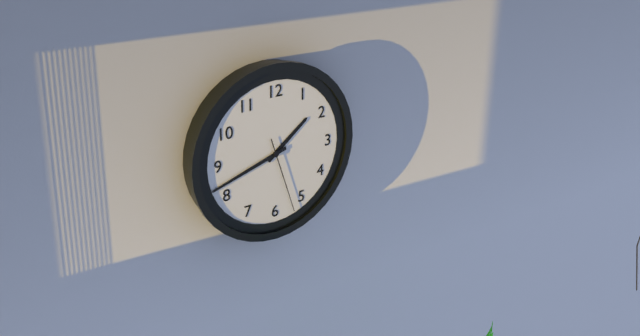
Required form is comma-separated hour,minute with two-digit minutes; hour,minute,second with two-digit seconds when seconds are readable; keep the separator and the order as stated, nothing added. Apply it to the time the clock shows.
1,42,27
